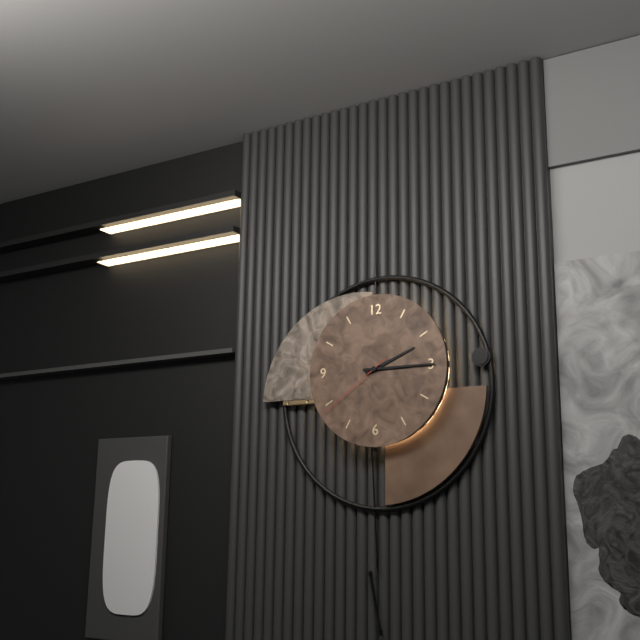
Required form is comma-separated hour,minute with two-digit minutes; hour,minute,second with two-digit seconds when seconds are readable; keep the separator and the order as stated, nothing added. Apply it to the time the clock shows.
2,15,39
